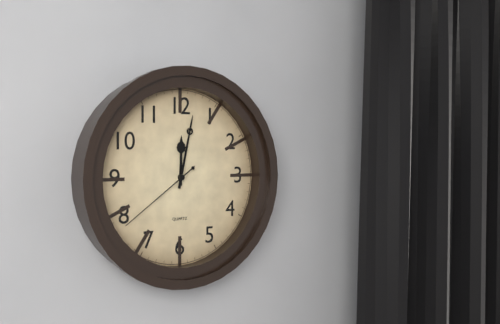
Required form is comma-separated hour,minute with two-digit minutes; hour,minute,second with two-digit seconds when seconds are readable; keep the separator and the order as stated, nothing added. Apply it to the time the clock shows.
12,02,39
